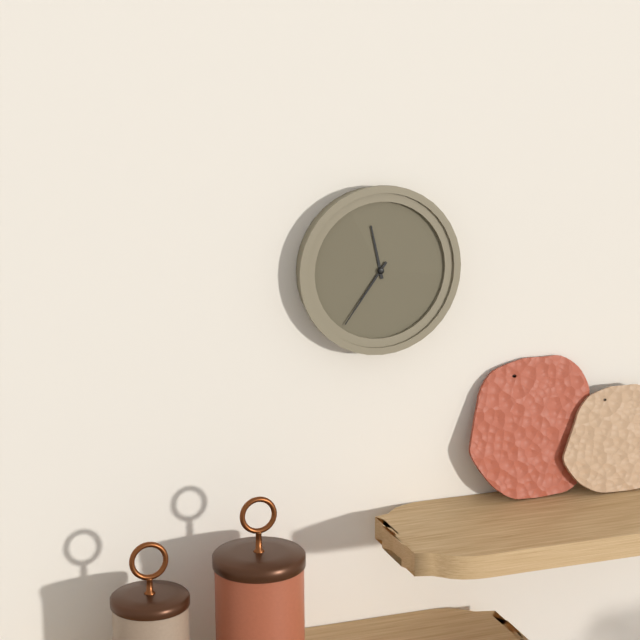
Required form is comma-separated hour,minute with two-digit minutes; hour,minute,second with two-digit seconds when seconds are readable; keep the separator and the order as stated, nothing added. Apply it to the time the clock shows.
11,36
